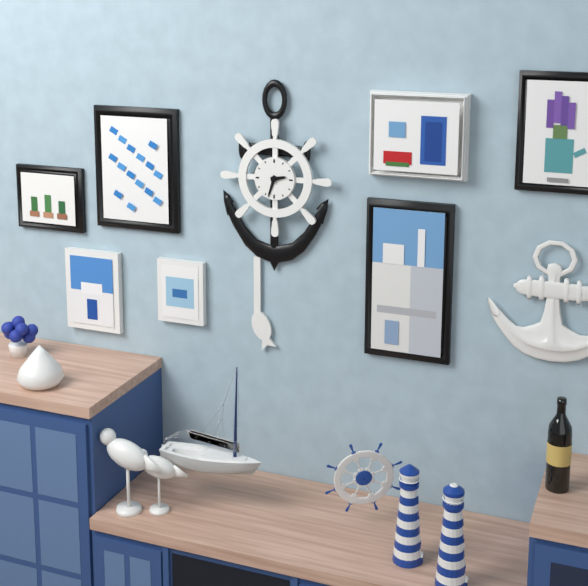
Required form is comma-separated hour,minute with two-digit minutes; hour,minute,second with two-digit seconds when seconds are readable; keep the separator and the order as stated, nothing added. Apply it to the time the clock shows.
2,33
